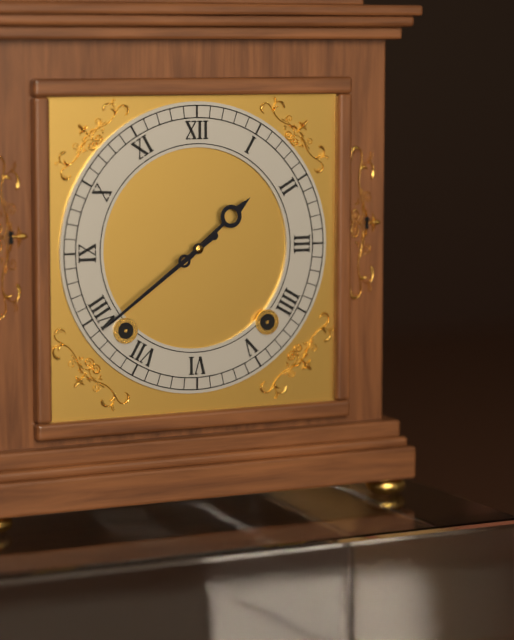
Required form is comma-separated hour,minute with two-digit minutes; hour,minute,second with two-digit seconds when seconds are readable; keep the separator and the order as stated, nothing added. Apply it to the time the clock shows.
1,39
